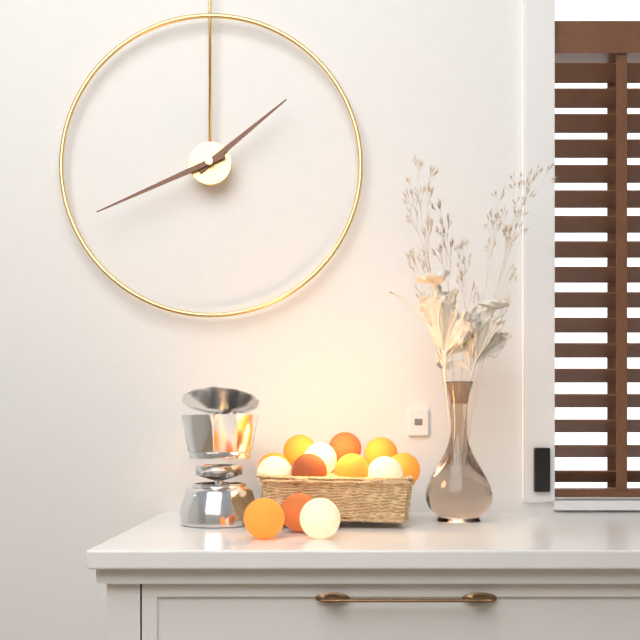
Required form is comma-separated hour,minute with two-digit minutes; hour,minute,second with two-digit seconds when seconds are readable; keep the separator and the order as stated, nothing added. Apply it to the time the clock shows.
1,41
